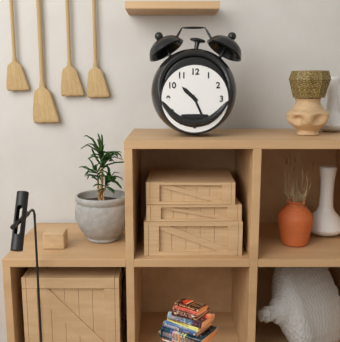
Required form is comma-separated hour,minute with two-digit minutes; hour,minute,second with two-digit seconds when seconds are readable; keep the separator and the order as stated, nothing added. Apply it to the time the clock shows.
10,26
